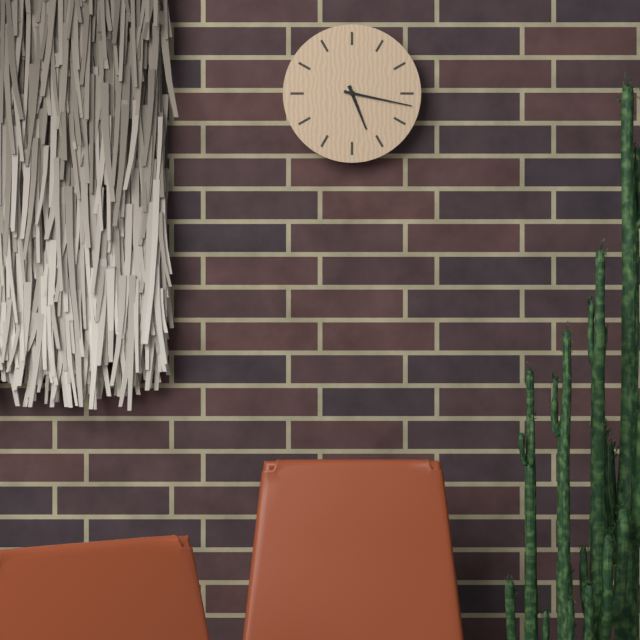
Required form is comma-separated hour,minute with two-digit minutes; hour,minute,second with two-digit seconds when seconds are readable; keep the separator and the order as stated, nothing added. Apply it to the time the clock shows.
5,17
